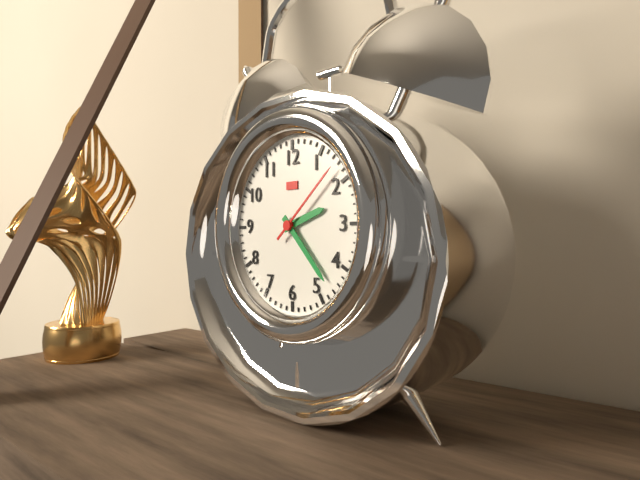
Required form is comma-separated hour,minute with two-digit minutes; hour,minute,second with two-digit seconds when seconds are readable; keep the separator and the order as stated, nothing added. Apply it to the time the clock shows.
2,23,08
